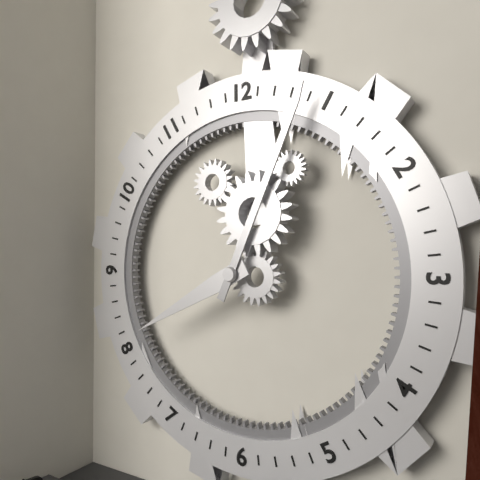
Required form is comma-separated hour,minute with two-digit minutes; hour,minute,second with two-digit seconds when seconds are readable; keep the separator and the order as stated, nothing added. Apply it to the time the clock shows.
8,04
